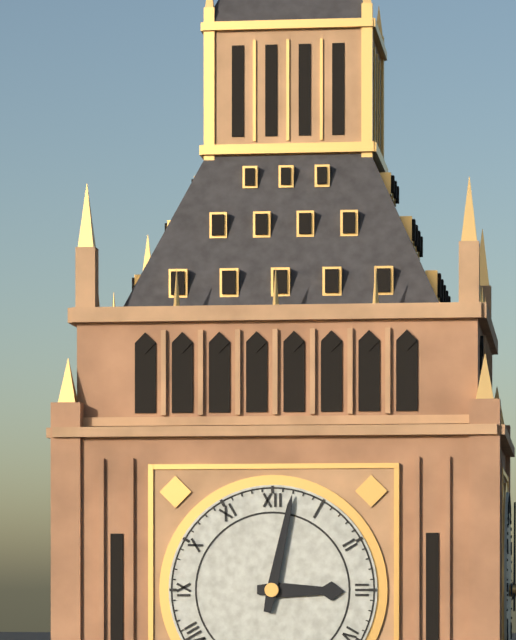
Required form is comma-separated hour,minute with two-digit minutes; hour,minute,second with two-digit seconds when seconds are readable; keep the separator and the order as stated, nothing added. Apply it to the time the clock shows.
3,02
